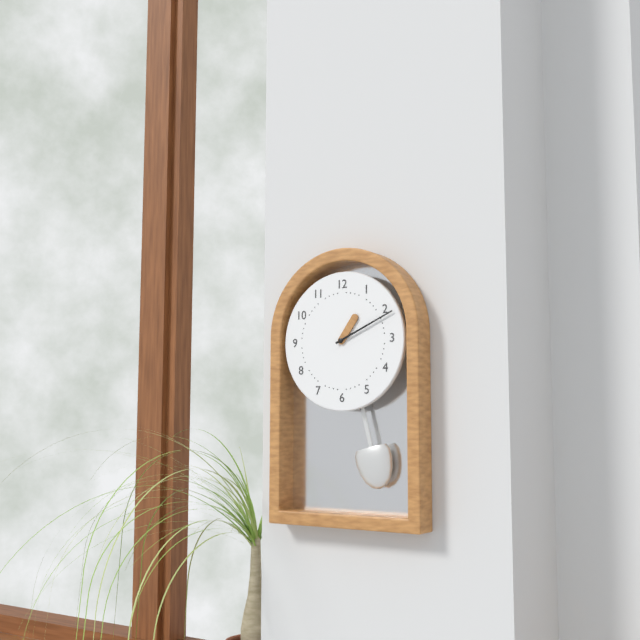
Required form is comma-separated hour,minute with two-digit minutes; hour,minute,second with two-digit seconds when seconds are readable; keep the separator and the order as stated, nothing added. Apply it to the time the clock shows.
1,11
